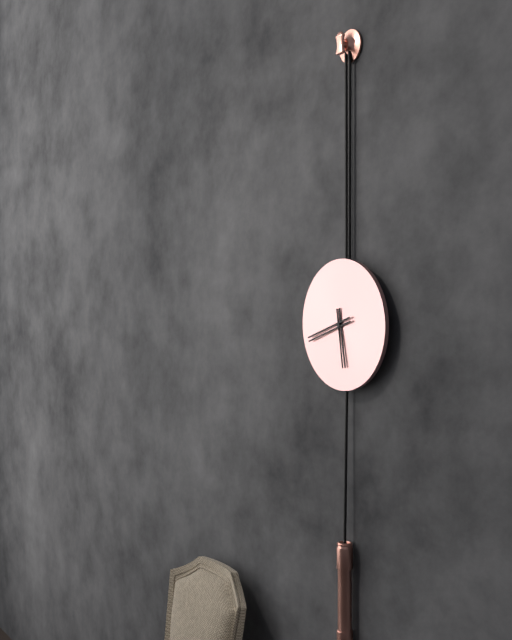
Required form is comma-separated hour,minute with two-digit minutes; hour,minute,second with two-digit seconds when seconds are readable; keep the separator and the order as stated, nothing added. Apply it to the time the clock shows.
5,42
